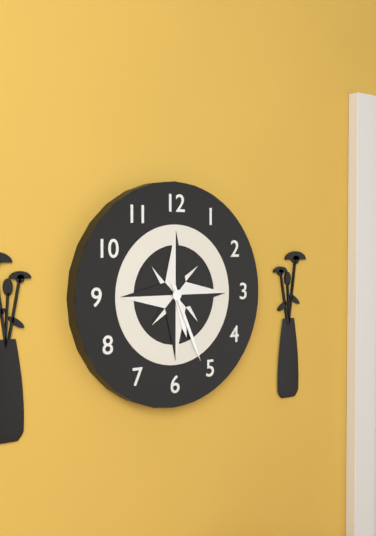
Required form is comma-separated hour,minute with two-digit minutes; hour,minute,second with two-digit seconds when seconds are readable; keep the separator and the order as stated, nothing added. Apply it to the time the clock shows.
5,26
